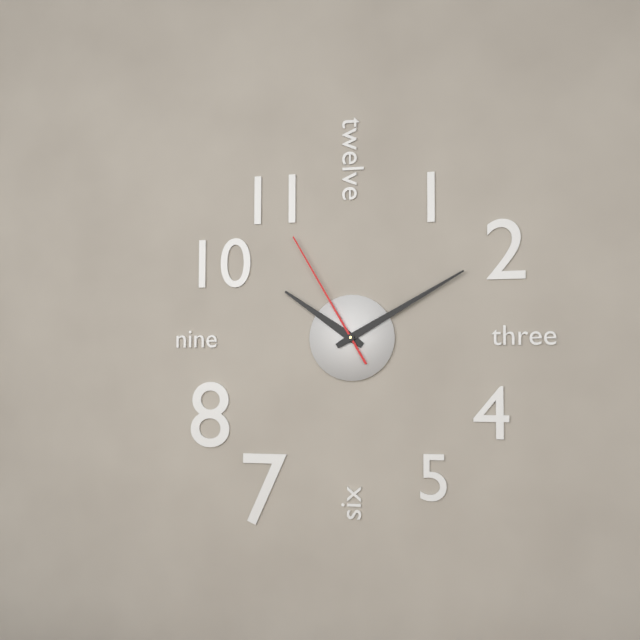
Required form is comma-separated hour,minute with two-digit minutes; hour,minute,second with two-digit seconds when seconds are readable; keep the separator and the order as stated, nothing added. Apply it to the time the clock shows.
10,10,55
